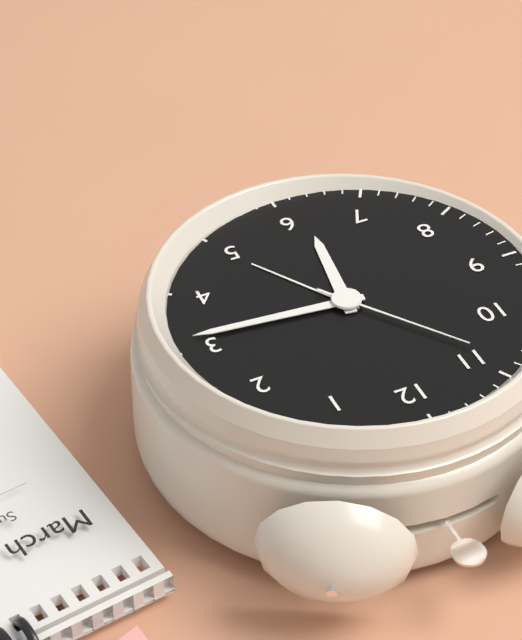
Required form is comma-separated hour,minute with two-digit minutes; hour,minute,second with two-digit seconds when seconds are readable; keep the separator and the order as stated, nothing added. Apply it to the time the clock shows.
6,16,54
